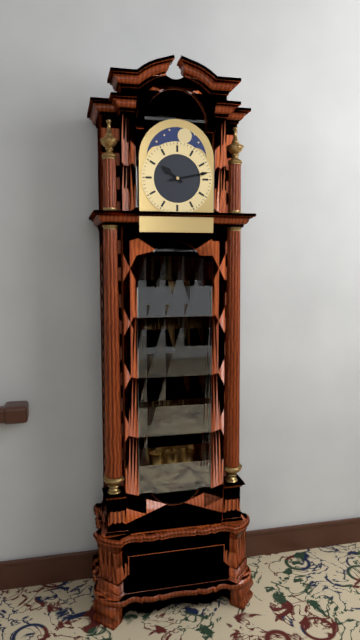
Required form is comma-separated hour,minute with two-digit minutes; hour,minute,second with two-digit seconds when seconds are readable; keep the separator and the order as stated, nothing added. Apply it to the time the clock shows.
10,13
